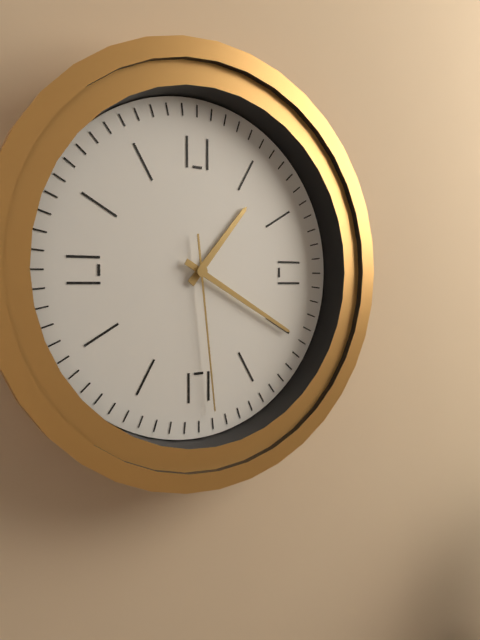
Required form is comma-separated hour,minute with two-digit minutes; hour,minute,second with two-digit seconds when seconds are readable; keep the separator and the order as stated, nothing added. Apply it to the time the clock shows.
1,20,29
